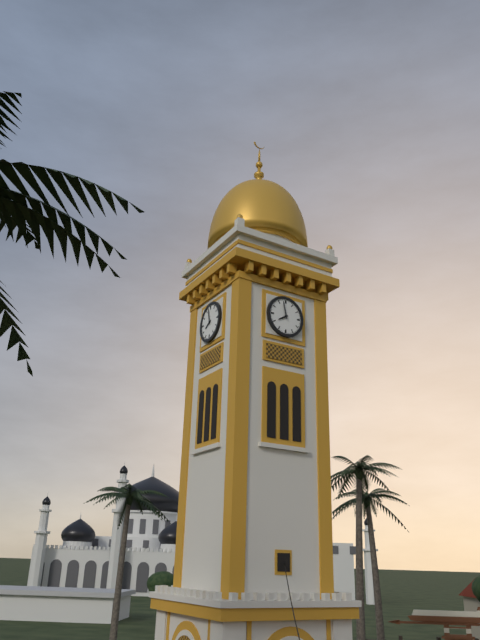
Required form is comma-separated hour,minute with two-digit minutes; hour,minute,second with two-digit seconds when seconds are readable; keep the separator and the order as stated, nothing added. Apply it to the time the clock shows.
7,58
